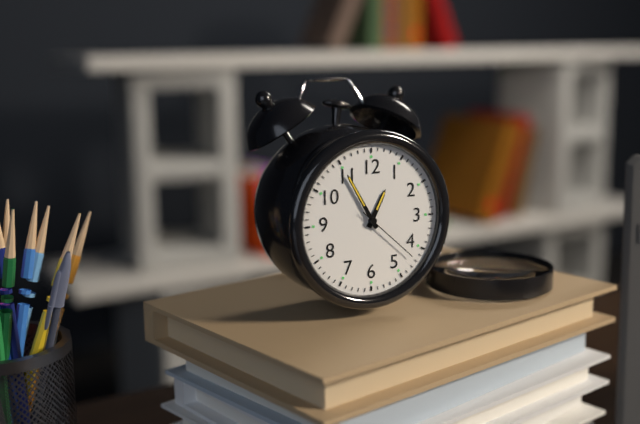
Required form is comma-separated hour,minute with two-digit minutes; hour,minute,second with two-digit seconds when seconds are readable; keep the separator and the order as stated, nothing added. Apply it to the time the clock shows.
12,55,22
